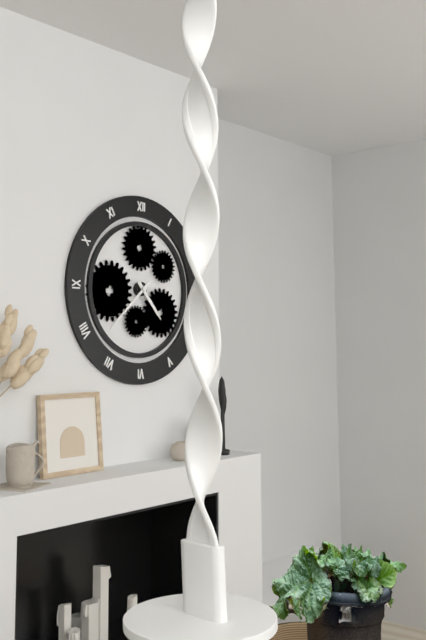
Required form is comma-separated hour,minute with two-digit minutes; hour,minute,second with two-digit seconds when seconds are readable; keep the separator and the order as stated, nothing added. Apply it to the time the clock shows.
4,38
